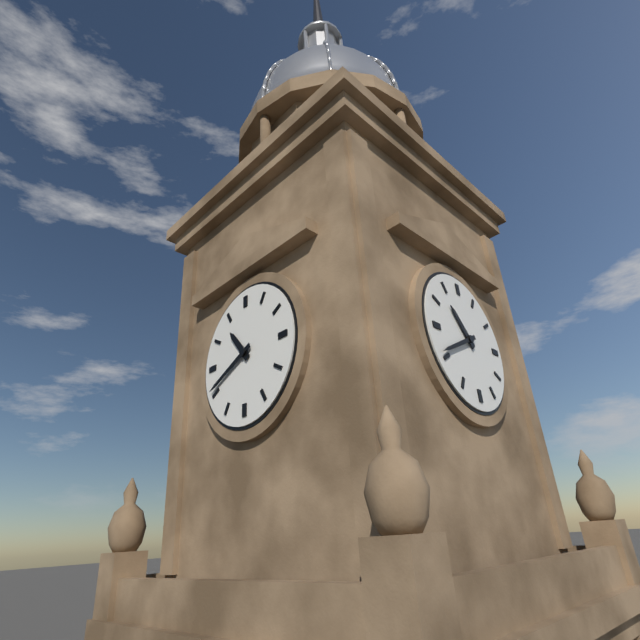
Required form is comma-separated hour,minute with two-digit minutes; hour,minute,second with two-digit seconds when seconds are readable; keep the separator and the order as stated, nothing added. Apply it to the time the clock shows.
10,41
